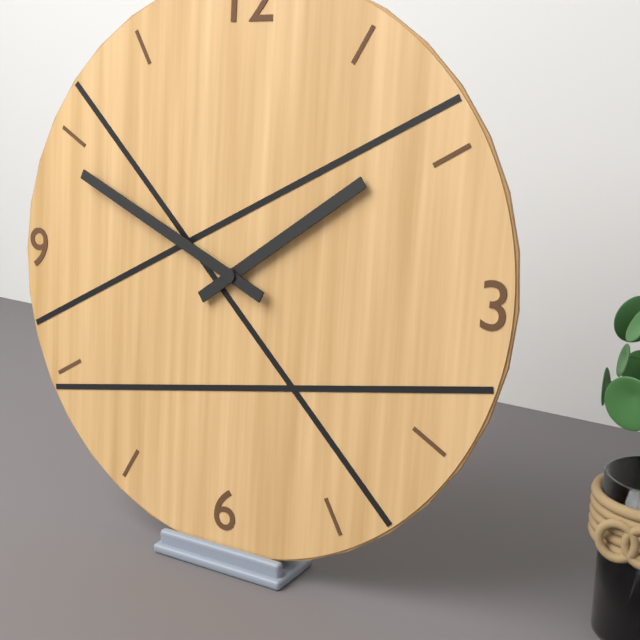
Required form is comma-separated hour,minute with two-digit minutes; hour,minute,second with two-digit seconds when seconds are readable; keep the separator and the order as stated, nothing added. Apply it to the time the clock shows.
1,49
